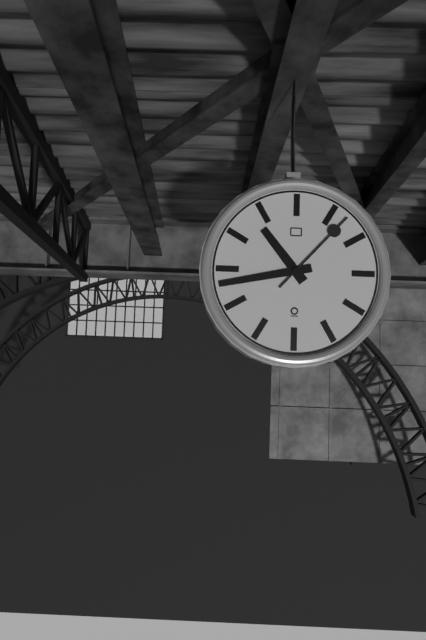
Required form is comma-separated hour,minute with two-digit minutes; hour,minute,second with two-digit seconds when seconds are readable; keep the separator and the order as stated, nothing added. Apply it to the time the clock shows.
10,43,07
